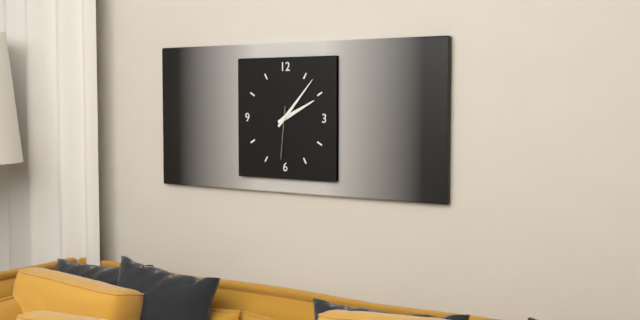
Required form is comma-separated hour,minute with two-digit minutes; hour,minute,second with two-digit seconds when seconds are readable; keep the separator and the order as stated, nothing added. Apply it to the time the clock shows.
2,07,31
